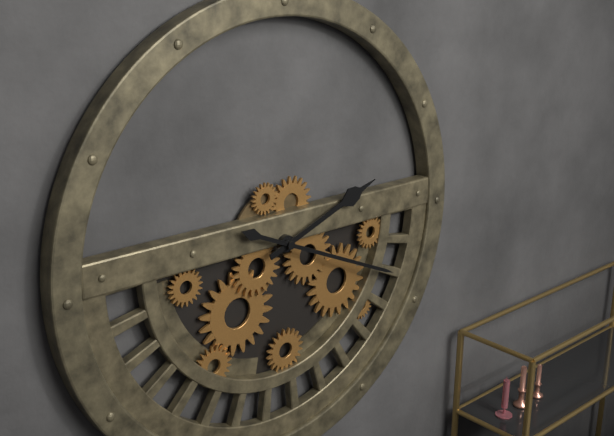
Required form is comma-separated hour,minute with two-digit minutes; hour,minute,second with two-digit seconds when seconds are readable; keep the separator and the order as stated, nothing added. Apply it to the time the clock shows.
2,19
